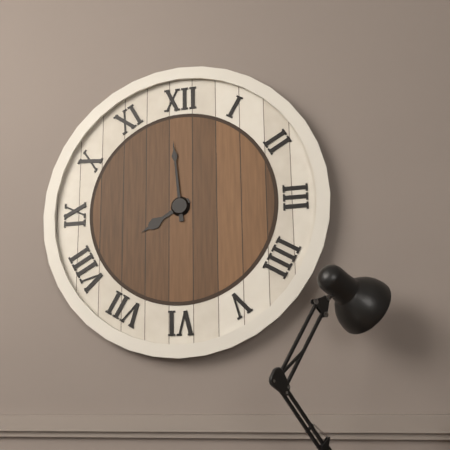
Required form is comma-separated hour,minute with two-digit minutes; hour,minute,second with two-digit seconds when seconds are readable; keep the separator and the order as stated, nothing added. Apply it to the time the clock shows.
7,59
